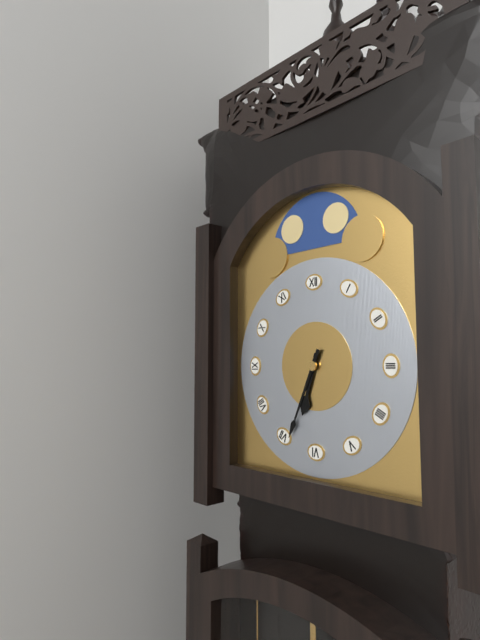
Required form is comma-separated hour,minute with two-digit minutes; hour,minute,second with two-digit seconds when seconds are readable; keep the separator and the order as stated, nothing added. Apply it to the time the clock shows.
6,34
